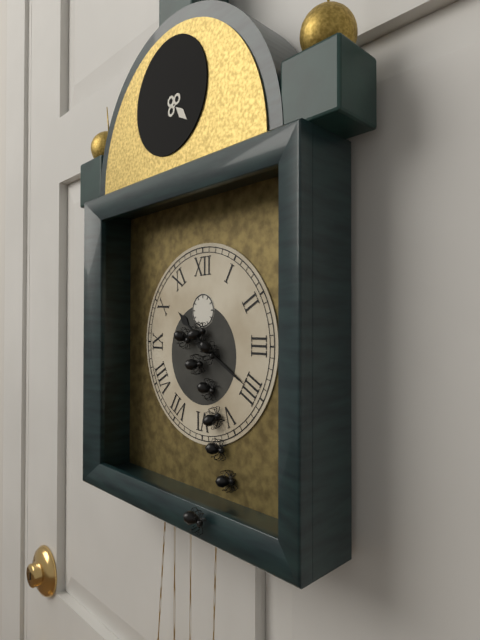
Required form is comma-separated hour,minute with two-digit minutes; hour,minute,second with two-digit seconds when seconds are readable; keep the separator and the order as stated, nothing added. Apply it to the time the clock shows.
10,20
